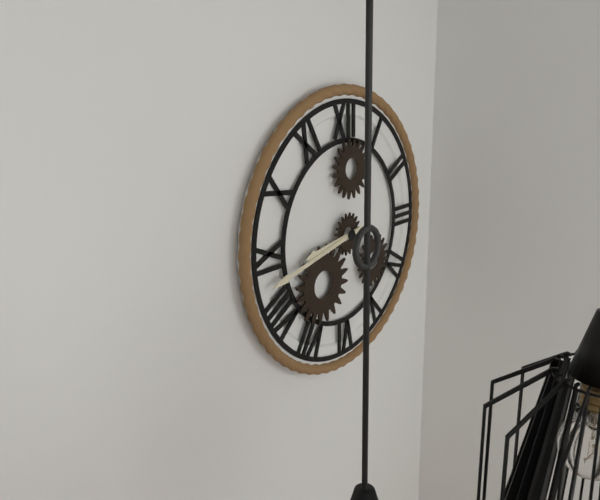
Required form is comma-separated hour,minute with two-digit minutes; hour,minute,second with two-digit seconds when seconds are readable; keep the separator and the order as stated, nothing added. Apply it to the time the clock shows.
8,43
